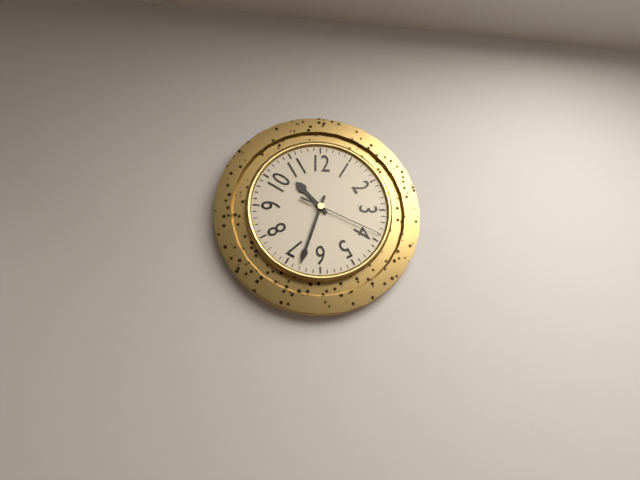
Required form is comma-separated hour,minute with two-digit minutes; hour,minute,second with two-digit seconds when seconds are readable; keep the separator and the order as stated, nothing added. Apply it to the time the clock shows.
10,33,19
